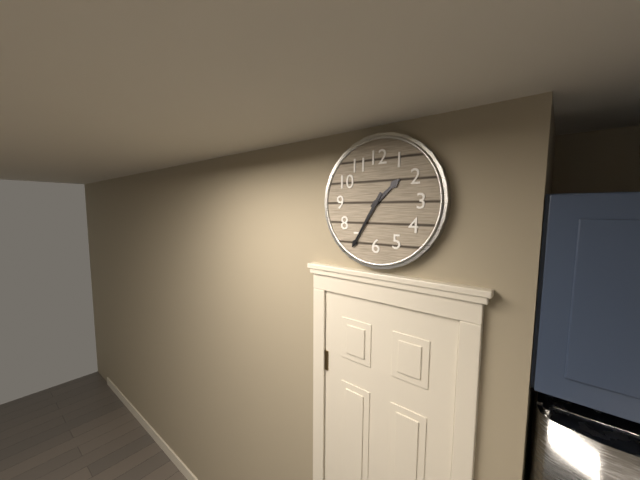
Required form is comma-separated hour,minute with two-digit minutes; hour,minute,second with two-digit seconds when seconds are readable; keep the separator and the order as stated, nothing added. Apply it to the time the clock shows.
1,35
